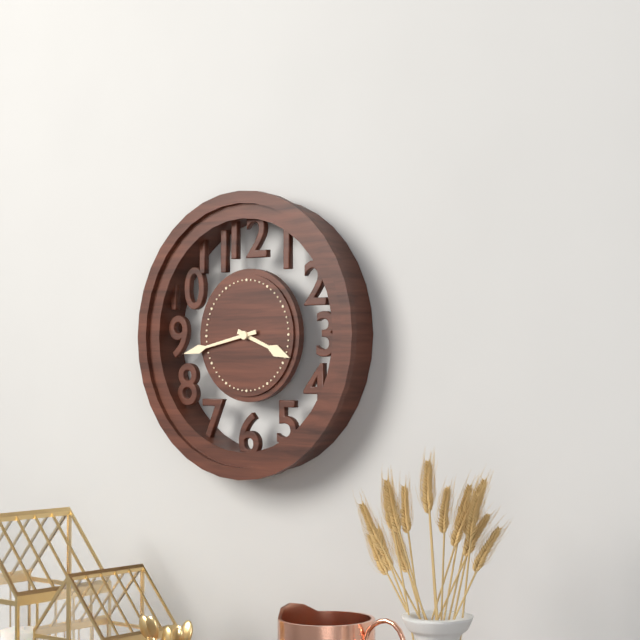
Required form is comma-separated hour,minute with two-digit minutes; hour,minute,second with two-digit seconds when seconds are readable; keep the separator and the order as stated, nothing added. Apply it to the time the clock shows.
3,43
